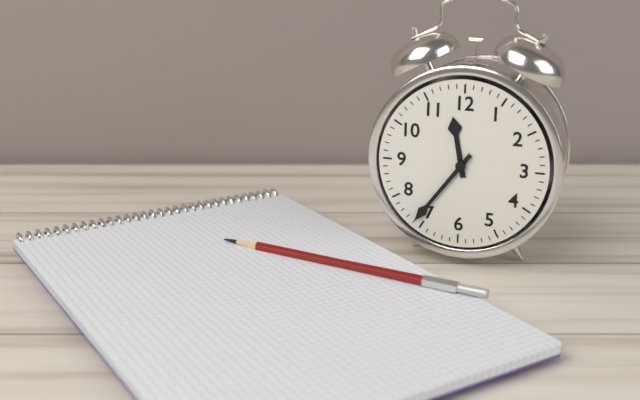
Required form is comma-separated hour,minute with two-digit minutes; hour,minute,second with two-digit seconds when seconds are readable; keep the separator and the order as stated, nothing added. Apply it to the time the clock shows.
11,36
